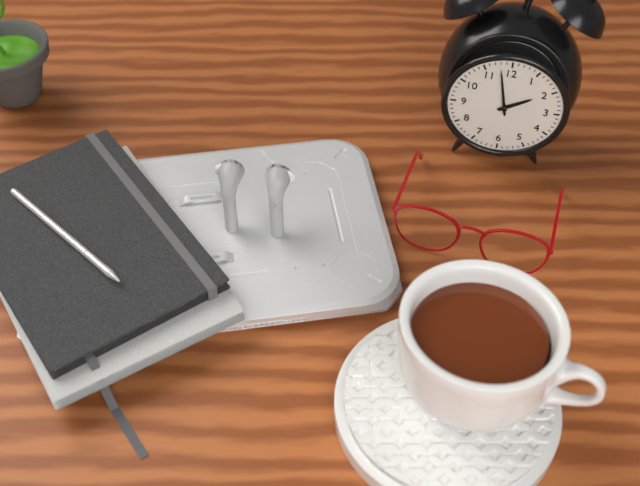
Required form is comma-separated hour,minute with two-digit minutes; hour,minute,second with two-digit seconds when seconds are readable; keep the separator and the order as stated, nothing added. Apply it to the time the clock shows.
1,58
